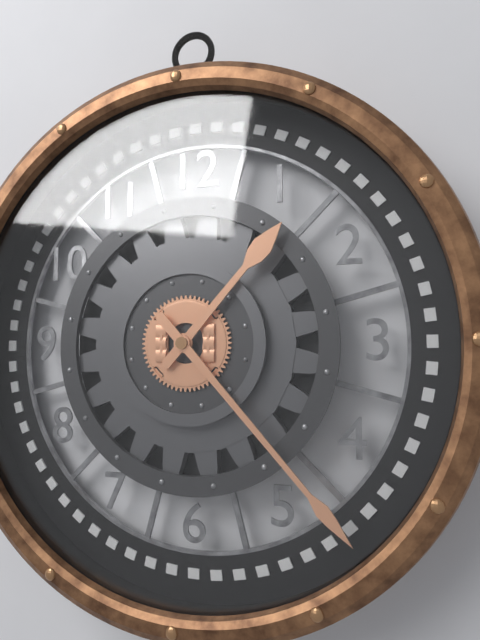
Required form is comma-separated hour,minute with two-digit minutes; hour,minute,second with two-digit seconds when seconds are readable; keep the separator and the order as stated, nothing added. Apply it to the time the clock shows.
1,23
